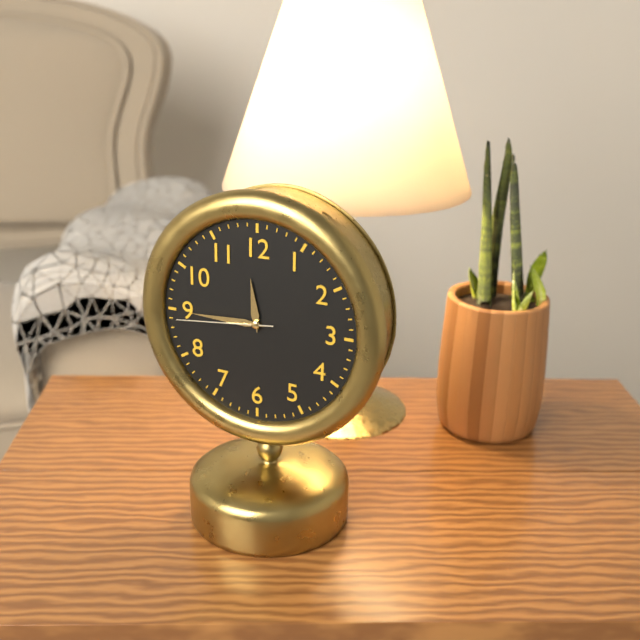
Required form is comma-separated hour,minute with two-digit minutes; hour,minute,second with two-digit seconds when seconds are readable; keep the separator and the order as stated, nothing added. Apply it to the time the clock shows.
11,45,44
